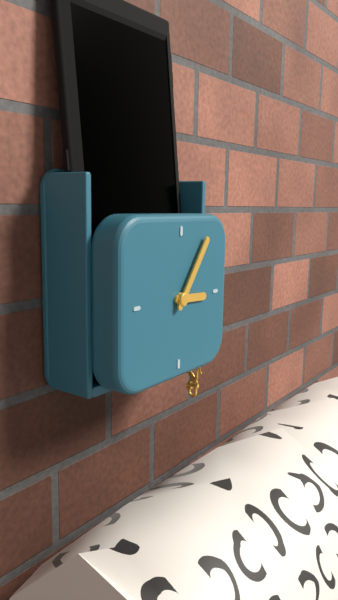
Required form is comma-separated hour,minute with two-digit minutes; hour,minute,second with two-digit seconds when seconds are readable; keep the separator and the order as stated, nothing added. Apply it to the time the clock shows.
3,06
